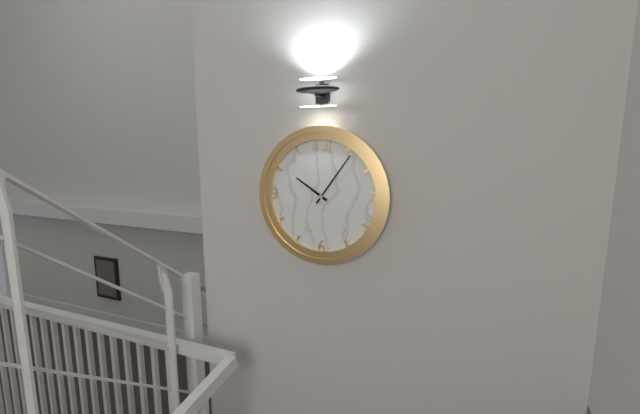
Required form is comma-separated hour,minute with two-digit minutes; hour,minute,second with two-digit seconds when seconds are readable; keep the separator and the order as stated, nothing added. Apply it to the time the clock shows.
10,06
